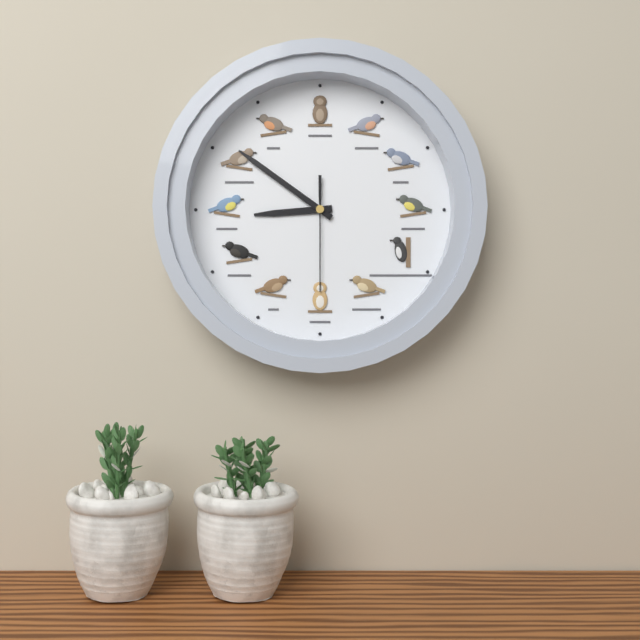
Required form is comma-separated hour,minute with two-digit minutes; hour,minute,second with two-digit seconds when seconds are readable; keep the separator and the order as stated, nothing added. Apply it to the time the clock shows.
8,51,30
